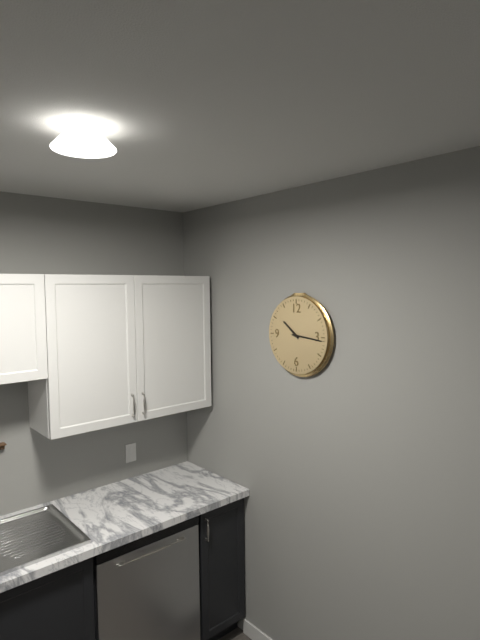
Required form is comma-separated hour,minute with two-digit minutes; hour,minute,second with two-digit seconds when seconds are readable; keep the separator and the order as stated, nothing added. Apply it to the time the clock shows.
10,16
